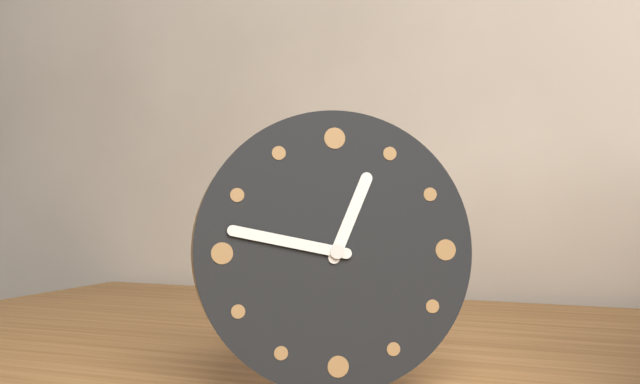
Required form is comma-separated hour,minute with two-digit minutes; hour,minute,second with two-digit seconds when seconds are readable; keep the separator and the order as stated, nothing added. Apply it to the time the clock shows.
12,47
